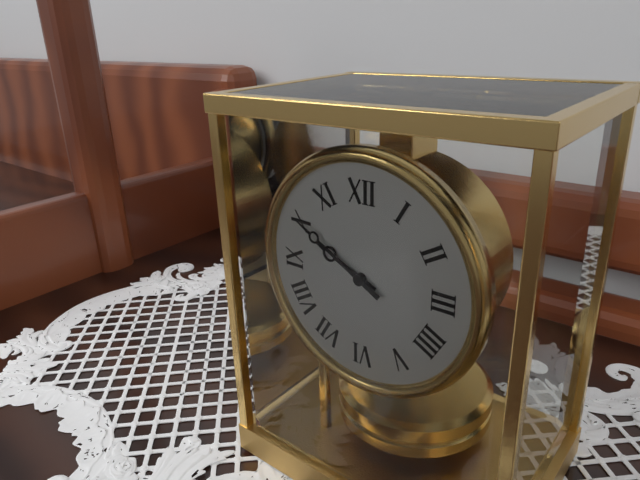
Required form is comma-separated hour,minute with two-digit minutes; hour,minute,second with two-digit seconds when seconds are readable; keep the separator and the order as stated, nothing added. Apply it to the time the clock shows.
9,50
